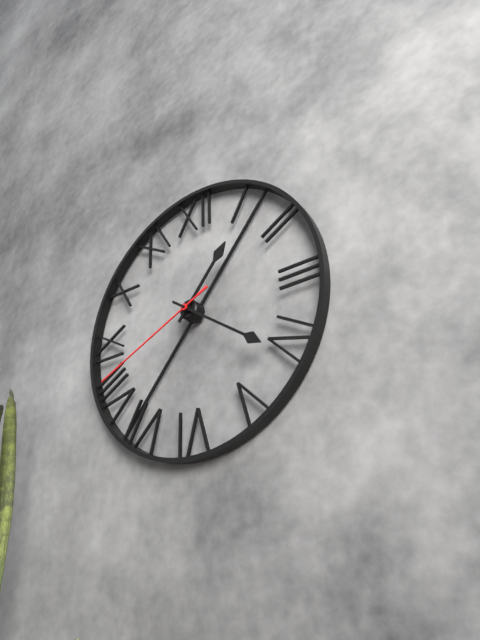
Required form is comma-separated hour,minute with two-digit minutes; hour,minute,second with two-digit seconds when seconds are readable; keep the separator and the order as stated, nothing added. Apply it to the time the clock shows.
1,21,41
